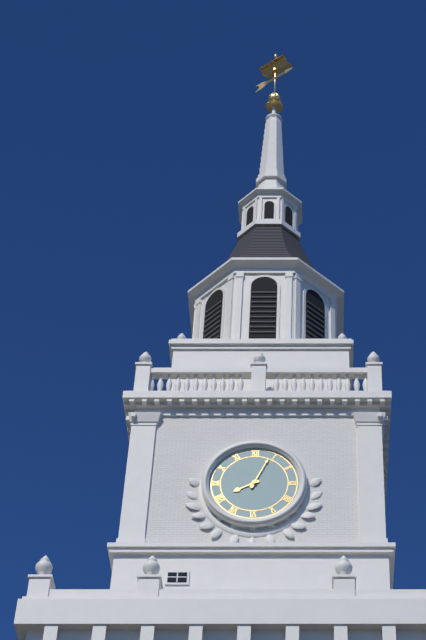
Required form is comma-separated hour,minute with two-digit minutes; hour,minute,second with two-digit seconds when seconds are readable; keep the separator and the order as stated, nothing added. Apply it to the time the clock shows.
8,04
